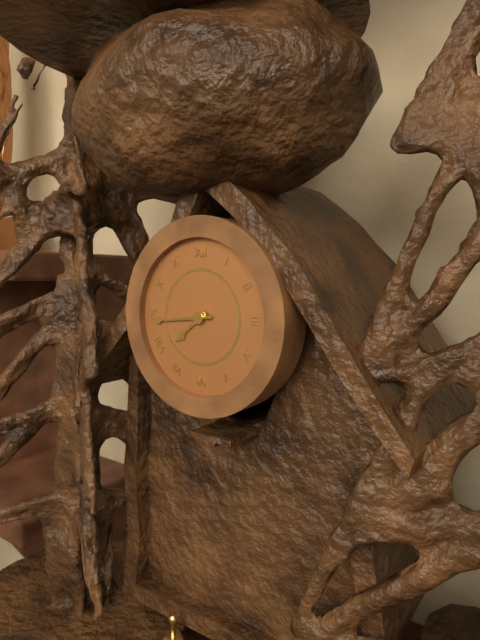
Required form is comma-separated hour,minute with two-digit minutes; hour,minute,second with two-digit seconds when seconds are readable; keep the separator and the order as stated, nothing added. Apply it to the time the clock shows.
7,44
